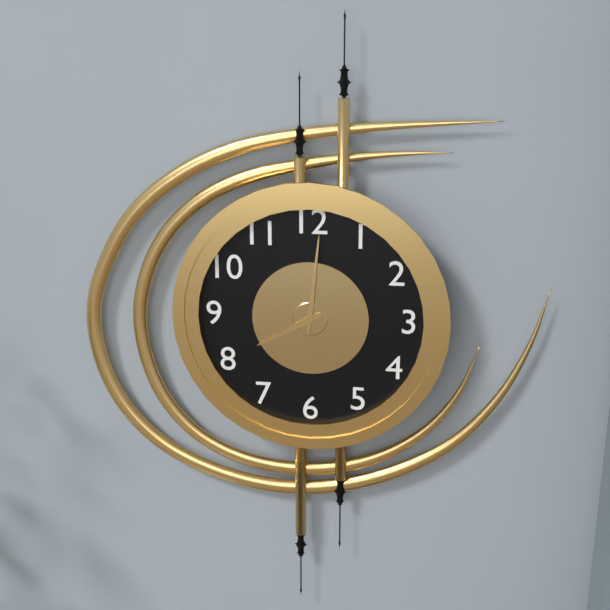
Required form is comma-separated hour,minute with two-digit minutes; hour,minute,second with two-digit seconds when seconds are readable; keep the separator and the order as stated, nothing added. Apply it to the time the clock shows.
8,01
